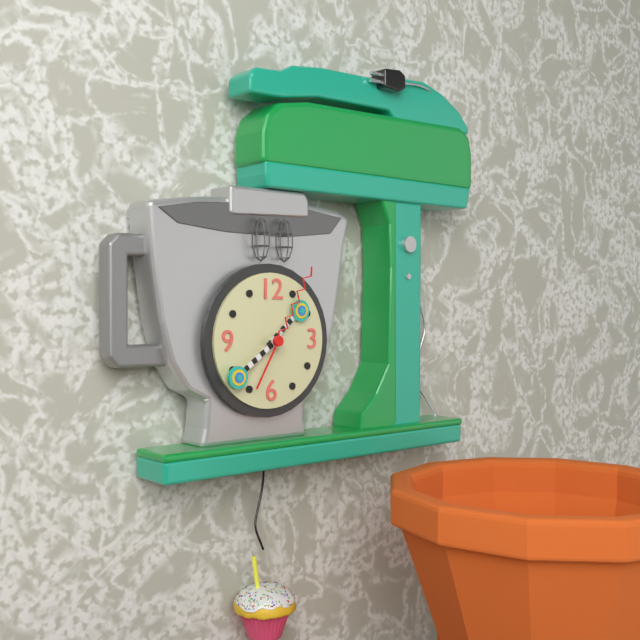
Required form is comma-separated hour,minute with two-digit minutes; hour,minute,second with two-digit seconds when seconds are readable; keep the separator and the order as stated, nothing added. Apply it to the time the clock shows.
1,39,05
